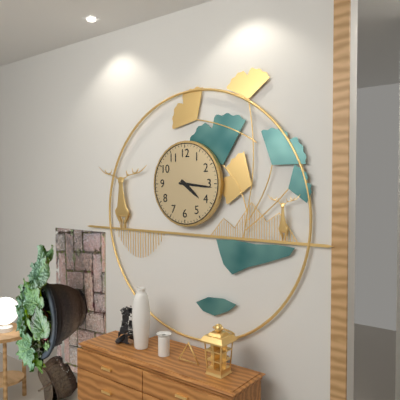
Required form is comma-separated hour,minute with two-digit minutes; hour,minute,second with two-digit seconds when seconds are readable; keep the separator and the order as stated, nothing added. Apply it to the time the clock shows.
4,16
